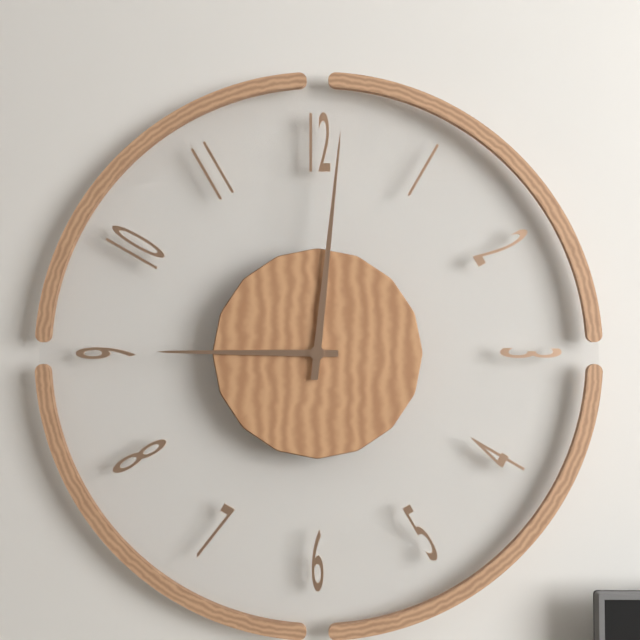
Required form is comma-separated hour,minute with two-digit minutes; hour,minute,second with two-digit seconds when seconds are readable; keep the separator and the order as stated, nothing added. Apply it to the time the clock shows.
9,01
